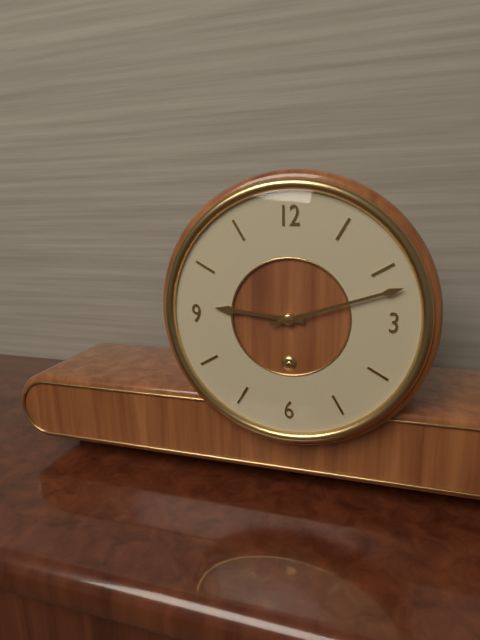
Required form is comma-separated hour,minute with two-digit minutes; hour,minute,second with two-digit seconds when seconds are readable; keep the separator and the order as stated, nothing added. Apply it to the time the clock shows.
9,12
